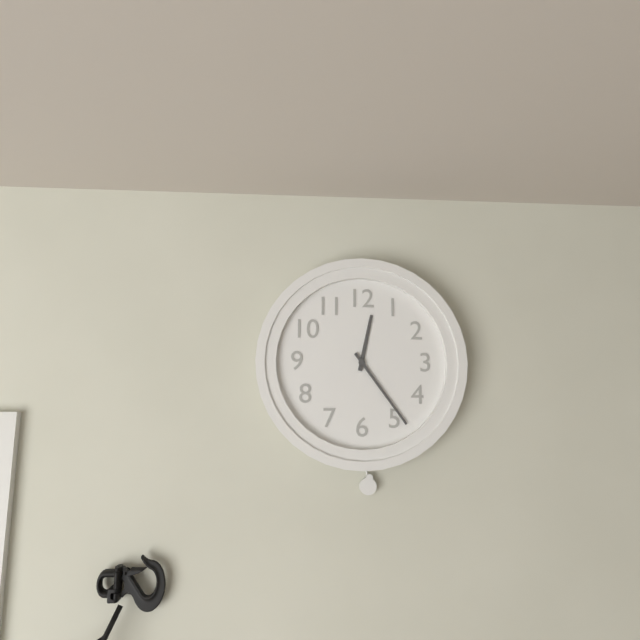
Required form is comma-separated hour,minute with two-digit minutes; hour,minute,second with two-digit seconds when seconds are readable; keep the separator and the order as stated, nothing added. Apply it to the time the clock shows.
12,24
